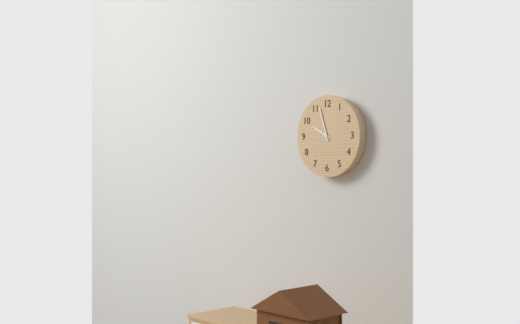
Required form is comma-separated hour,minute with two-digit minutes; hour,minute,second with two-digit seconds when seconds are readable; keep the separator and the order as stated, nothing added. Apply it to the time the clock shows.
9,57
